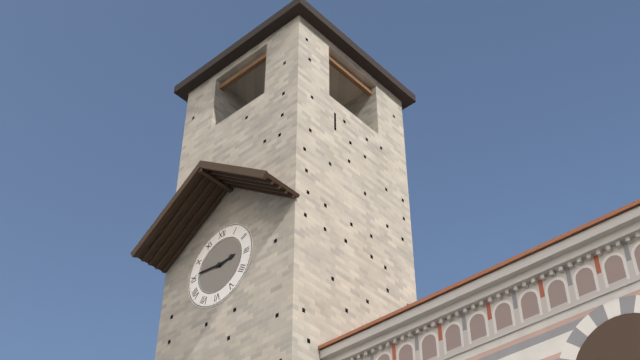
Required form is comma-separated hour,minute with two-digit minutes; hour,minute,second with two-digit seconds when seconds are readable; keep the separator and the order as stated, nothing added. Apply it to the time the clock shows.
2,46
